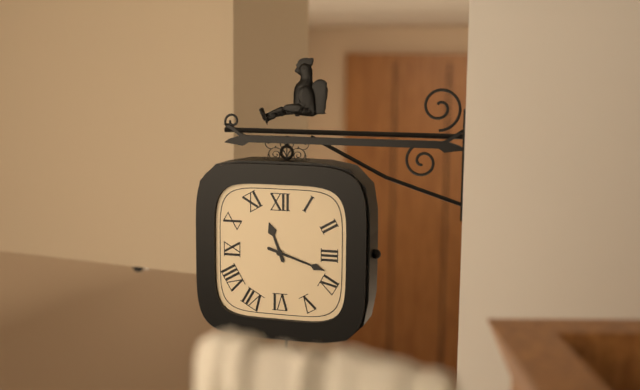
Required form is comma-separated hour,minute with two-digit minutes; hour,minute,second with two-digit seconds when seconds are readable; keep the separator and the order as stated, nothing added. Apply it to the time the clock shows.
11,18
